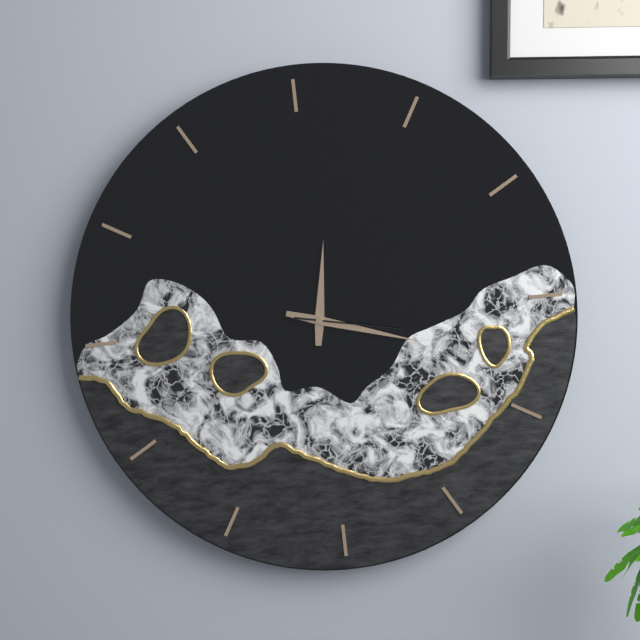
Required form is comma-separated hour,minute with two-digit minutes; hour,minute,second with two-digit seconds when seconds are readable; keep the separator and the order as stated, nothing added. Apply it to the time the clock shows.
12,18,17
